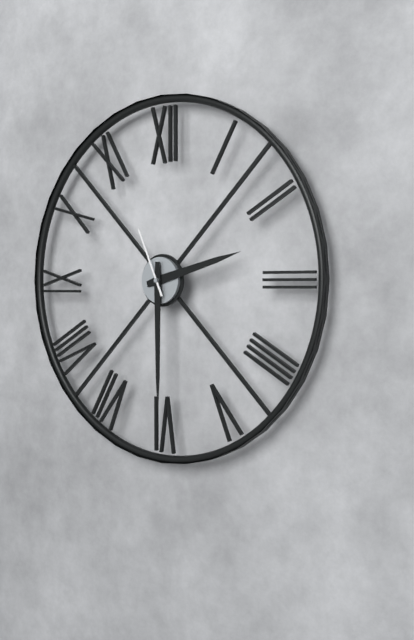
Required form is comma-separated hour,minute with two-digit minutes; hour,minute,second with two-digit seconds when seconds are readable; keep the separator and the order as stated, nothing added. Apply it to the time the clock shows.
2,30,56
